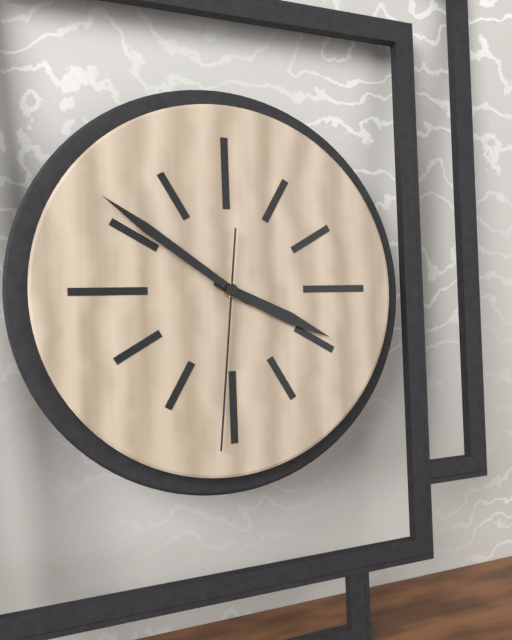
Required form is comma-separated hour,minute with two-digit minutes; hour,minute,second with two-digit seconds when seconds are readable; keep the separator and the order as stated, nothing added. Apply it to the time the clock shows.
3,51,31
